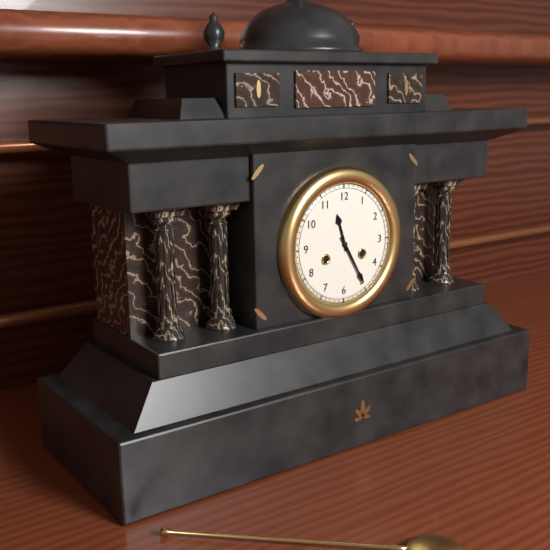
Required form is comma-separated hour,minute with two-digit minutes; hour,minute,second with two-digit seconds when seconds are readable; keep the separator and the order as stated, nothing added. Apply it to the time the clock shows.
11,25
